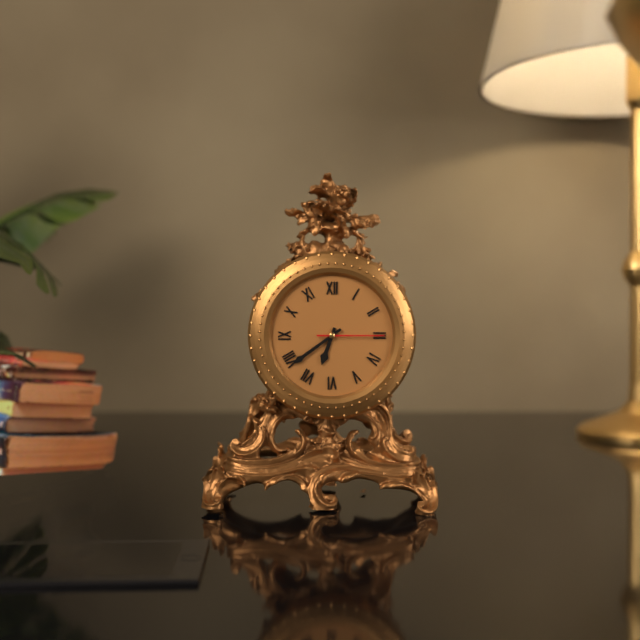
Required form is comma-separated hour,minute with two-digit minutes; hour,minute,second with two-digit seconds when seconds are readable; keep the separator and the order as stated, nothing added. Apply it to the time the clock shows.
6,39,15
